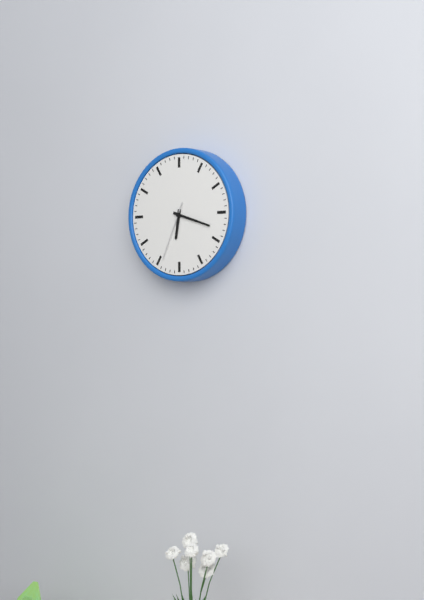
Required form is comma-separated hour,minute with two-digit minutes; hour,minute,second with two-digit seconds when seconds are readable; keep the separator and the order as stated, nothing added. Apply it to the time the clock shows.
6,18,34
